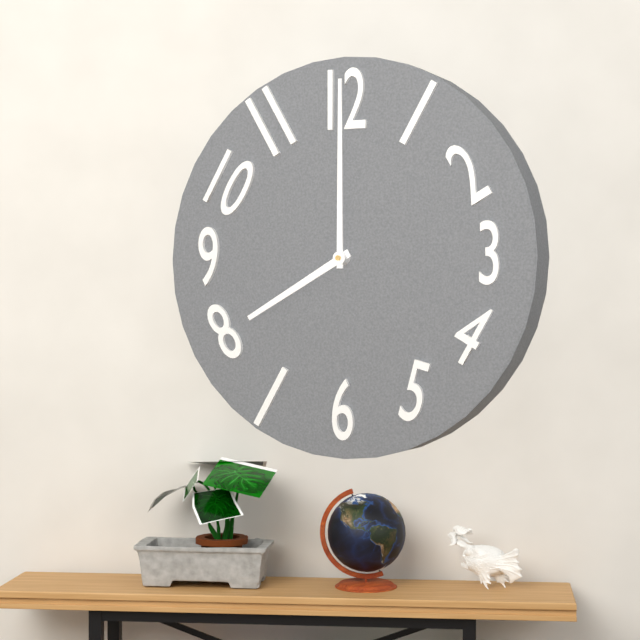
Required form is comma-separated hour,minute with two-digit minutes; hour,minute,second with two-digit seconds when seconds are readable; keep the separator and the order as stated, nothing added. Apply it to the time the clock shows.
8,00
